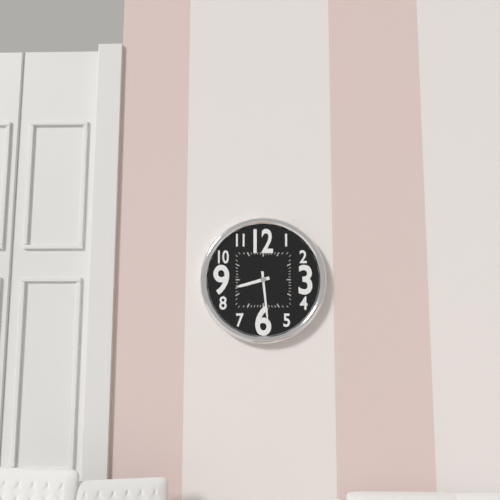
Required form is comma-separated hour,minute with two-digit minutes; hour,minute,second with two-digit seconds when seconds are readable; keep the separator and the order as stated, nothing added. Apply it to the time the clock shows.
8,29
